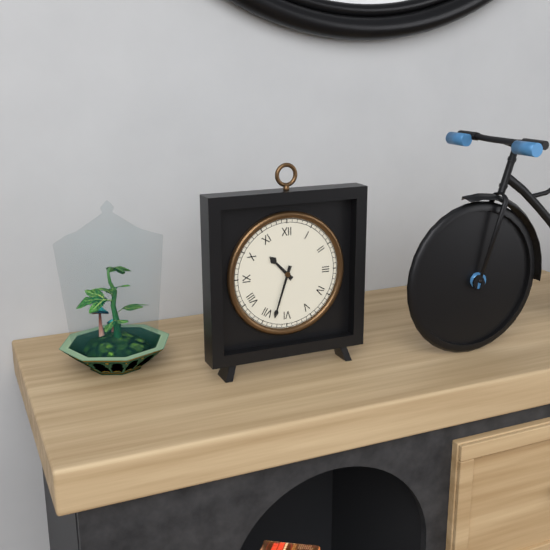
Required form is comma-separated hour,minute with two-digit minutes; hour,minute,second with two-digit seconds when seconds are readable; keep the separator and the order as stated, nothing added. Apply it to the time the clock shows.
10,33
